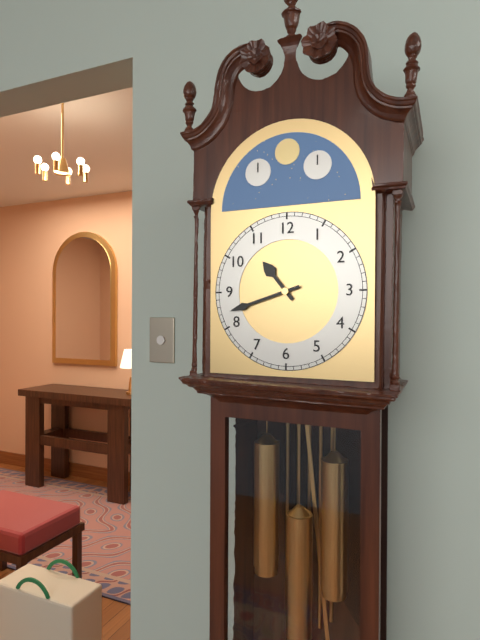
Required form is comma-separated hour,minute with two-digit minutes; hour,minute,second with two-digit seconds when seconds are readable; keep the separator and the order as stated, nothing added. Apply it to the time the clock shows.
10,42
